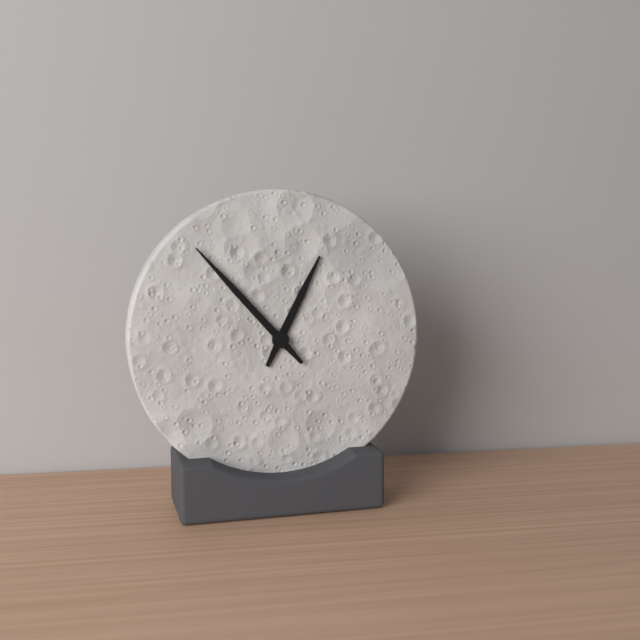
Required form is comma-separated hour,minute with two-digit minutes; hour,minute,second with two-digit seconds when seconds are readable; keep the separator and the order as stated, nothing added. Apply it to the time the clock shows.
12,53
